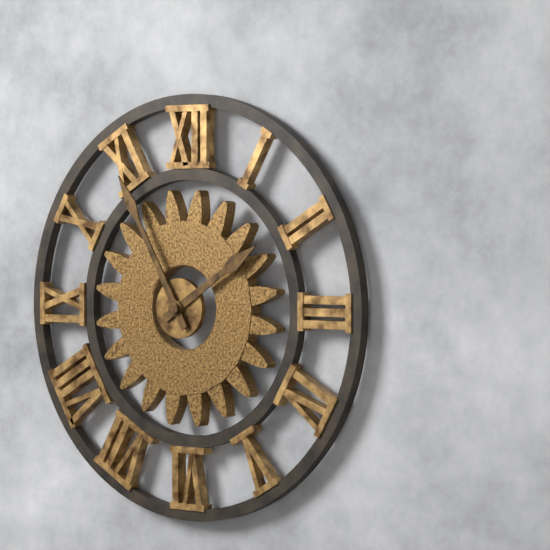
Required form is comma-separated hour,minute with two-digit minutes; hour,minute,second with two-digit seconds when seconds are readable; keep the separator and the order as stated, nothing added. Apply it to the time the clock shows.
1,55
